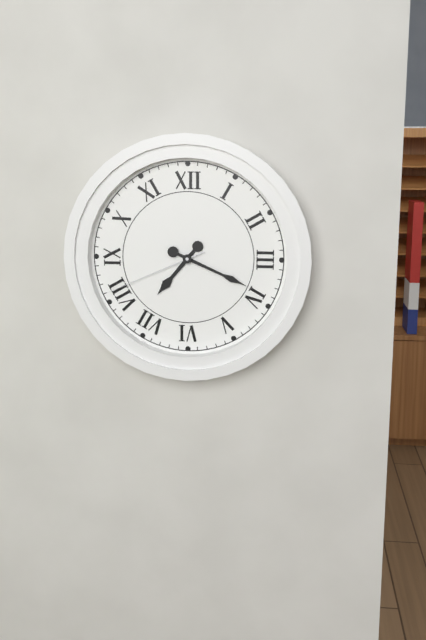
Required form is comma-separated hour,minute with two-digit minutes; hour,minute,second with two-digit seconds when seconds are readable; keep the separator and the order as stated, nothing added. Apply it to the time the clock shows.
7,19,41
